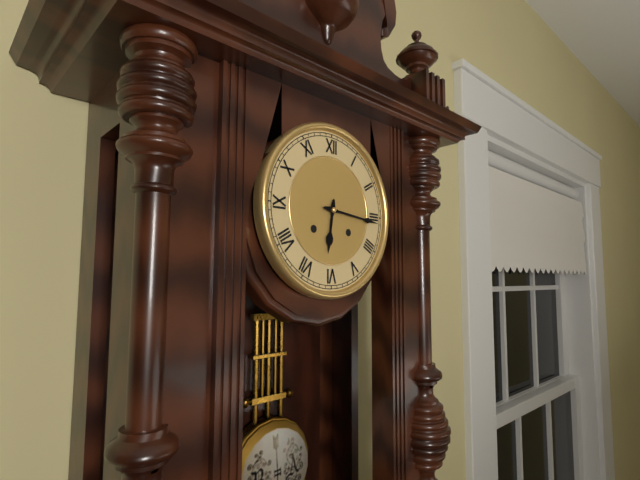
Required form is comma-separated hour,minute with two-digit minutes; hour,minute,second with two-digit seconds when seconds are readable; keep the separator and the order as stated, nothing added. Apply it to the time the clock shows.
6,16
